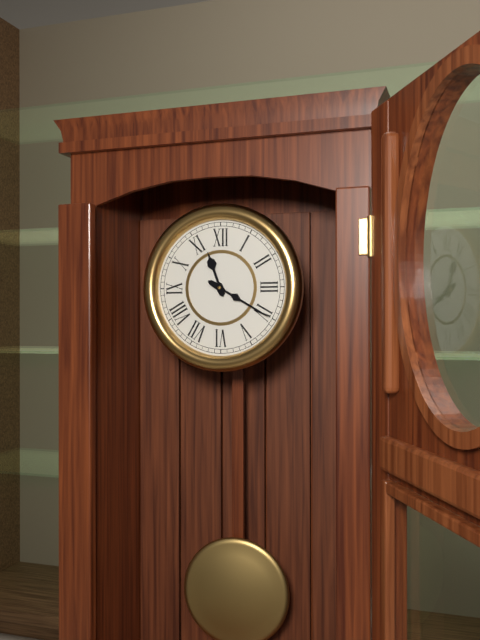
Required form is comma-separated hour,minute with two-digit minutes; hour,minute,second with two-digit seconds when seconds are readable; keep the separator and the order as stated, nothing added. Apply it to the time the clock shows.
11,20
